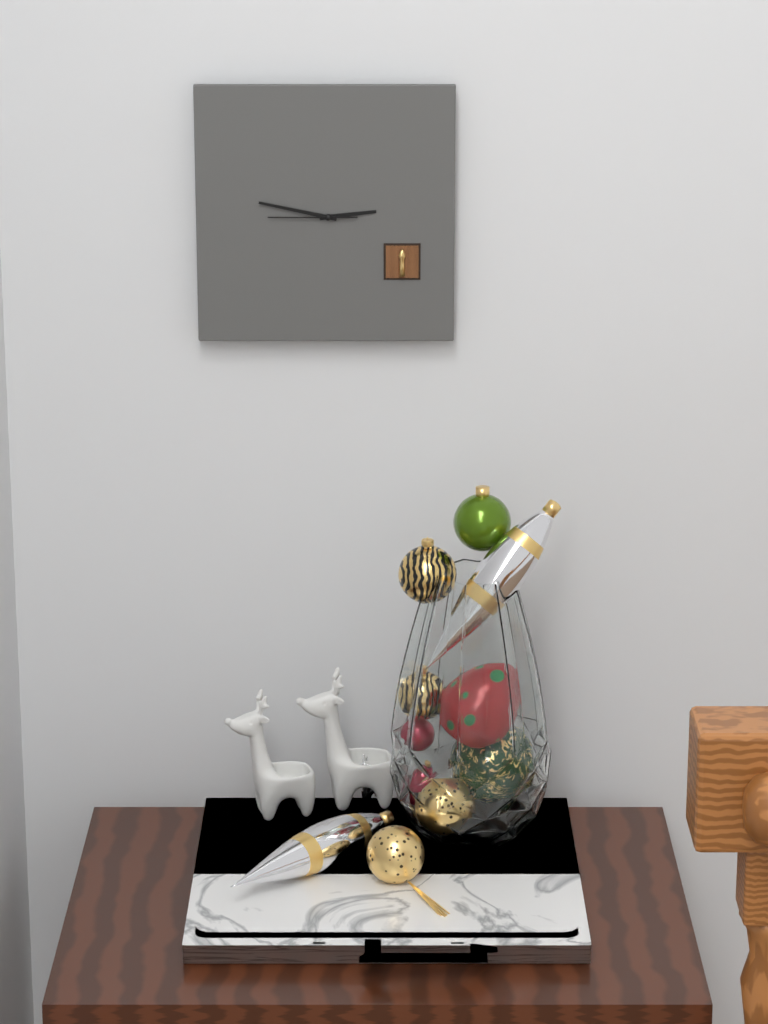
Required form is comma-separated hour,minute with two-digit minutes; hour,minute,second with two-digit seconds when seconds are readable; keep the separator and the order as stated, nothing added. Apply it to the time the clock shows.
2,47,45
